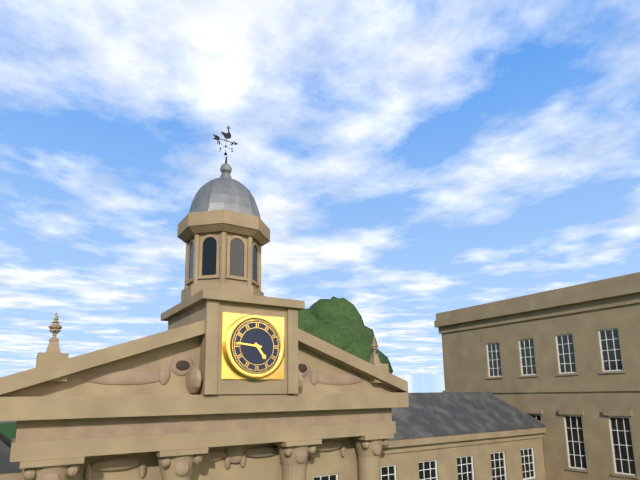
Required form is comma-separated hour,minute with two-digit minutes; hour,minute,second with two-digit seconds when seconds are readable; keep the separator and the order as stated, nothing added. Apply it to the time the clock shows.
4,46
